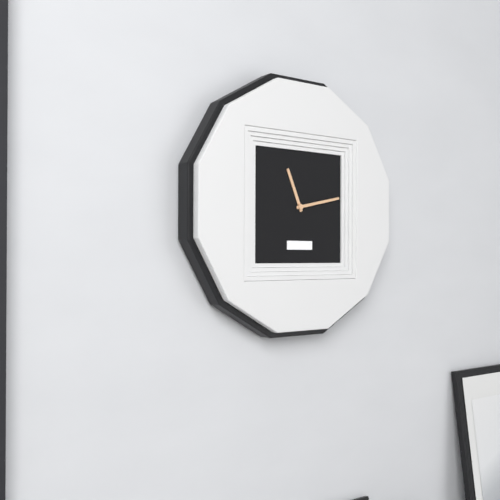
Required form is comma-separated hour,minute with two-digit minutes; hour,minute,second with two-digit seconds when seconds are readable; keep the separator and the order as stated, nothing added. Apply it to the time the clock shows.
11,13
